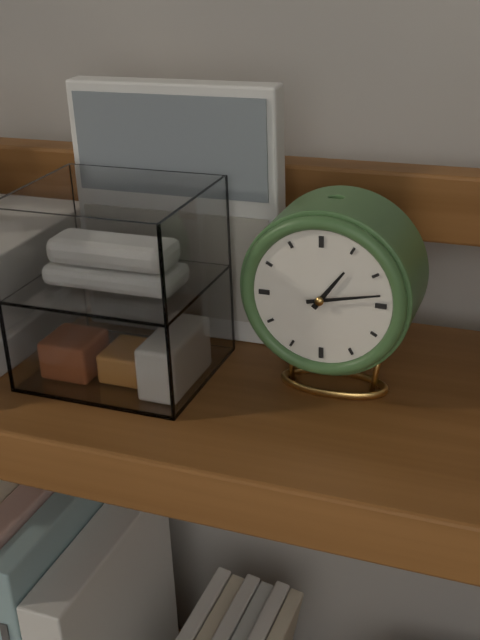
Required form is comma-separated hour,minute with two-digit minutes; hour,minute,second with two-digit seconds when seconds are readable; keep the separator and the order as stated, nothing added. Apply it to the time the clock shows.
1,13
